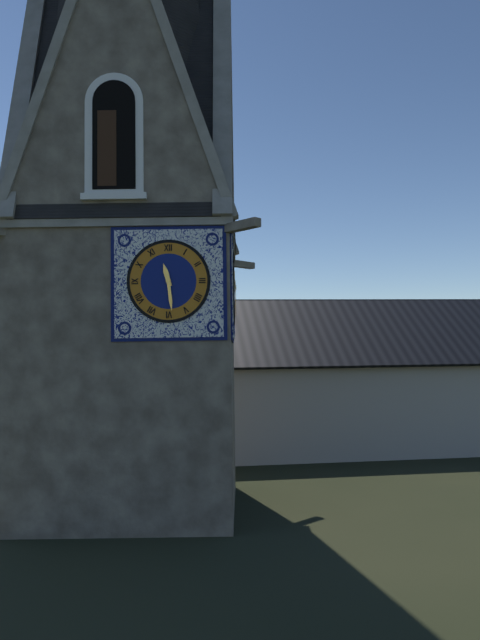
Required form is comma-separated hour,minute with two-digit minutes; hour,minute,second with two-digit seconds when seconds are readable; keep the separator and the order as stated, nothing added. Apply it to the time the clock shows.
11,29
